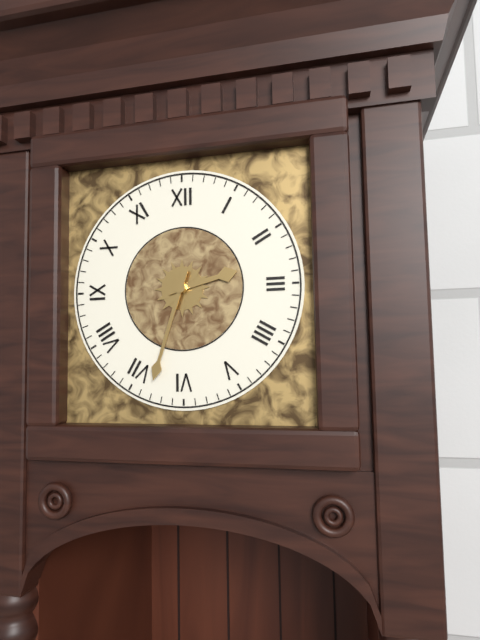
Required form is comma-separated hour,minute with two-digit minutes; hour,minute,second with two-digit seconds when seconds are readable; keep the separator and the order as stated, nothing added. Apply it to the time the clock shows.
2,33
